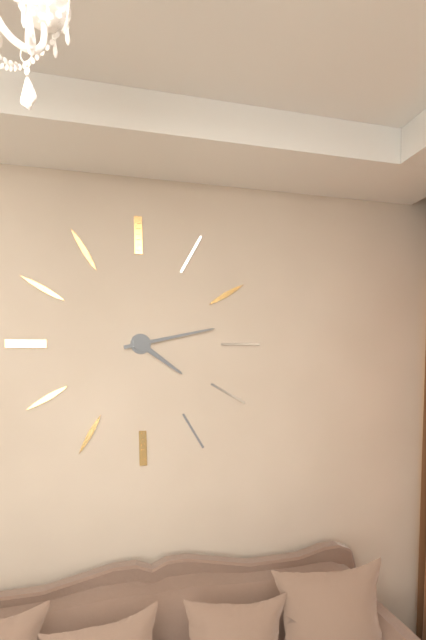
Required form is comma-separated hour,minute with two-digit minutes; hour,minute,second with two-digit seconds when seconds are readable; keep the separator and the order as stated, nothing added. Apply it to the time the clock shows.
4,13
